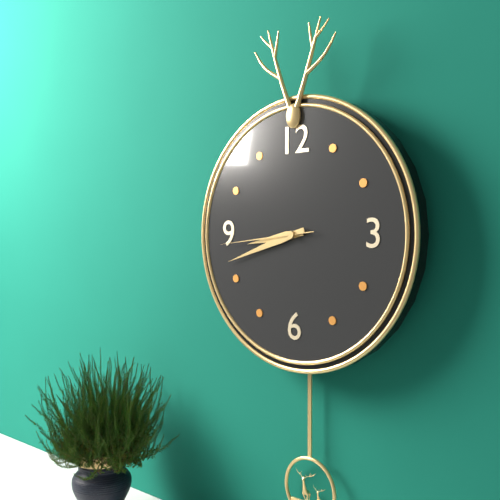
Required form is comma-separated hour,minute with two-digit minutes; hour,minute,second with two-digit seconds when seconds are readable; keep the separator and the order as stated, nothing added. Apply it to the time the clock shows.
8,42,44
